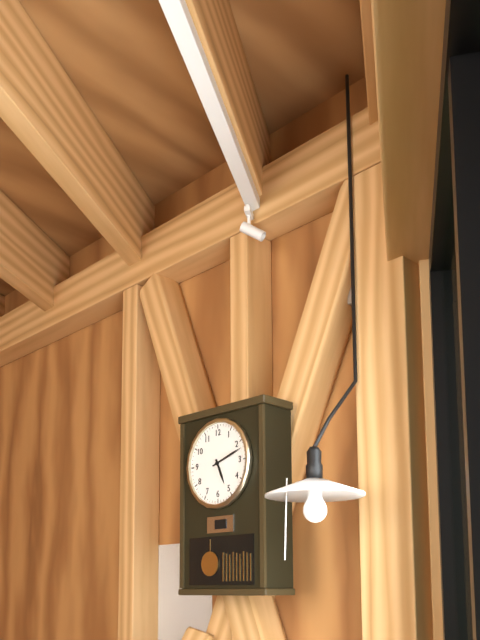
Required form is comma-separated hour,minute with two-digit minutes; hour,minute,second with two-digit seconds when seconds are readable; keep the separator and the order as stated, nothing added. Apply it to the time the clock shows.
5,12
